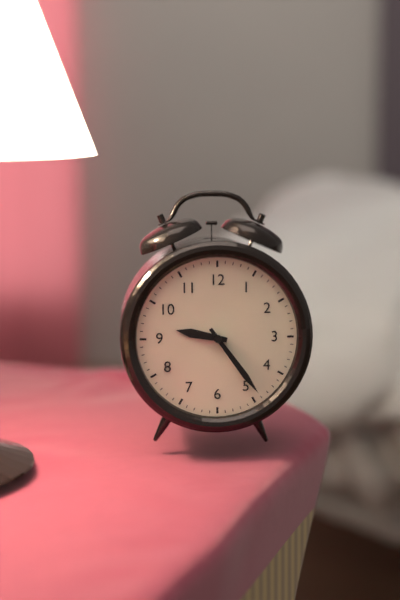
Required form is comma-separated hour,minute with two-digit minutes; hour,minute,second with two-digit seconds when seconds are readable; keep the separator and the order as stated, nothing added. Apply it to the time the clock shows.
9,24
